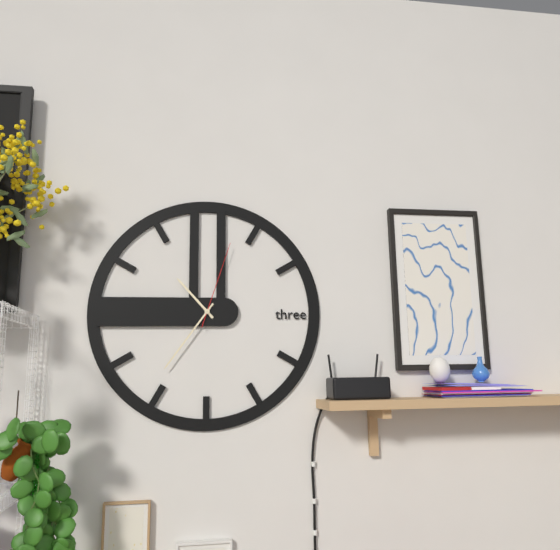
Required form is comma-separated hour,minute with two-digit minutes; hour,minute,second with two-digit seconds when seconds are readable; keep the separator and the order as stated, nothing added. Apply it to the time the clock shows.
10,36,03
